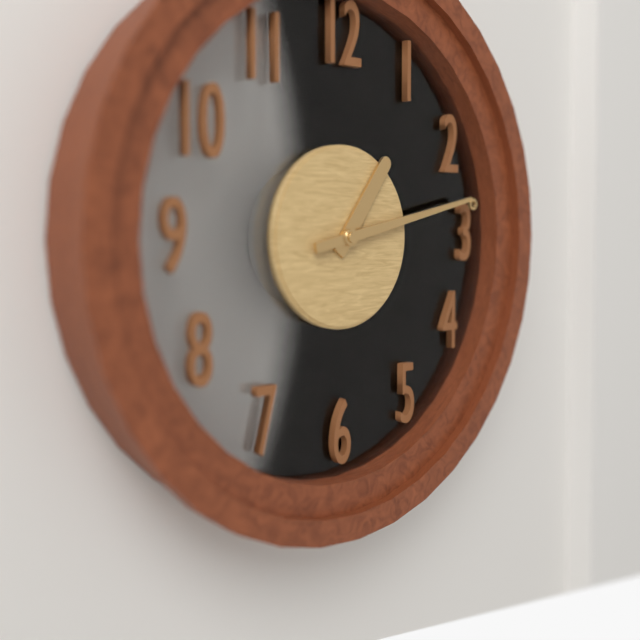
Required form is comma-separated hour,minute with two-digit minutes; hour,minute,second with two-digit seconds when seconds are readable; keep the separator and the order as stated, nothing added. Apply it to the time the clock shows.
1,13
